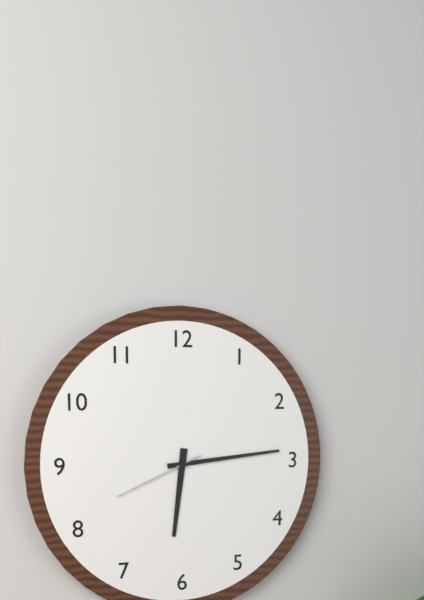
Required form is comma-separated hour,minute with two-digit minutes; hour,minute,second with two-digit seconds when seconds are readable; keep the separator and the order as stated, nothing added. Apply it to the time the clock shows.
6,14,41
